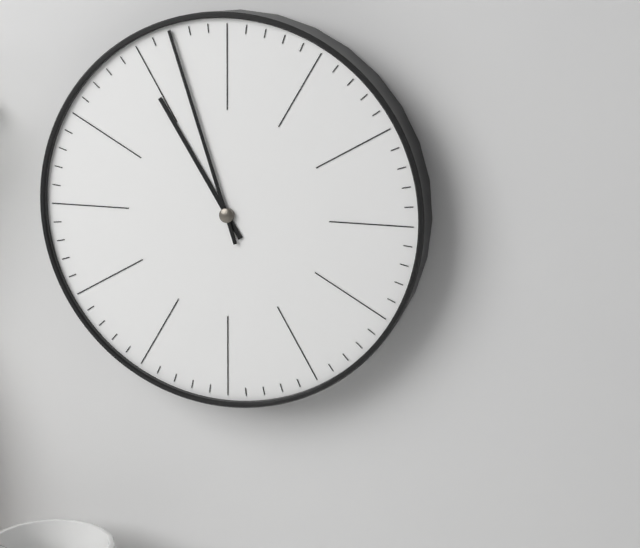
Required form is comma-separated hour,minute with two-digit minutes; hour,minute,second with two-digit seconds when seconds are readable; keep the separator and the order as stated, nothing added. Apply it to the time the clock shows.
10,57
